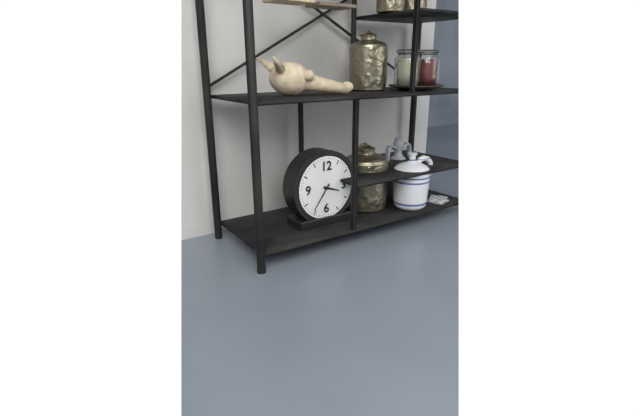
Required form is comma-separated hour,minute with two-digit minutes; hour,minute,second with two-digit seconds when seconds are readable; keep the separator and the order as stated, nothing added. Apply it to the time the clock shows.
3,36
